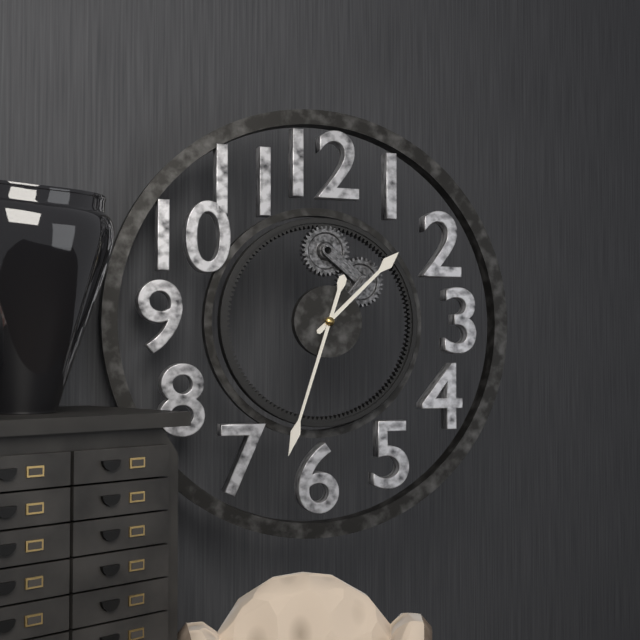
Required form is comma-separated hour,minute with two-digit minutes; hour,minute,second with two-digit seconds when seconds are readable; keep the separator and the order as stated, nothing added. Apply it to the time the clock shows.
1,33
